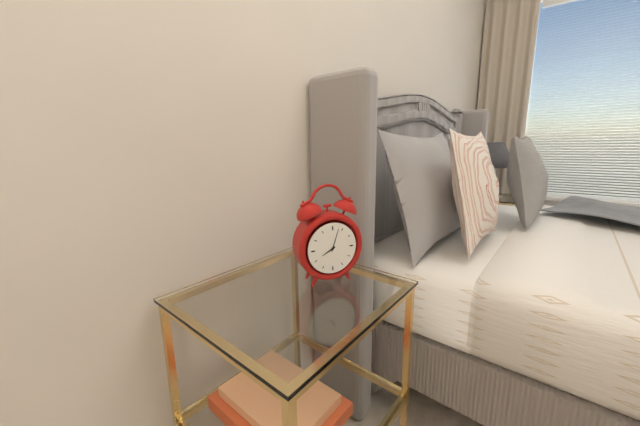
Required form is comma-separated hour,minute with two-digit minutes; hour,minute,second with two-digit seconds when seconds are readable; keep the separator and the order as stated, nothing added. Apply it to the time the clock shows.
8,03
